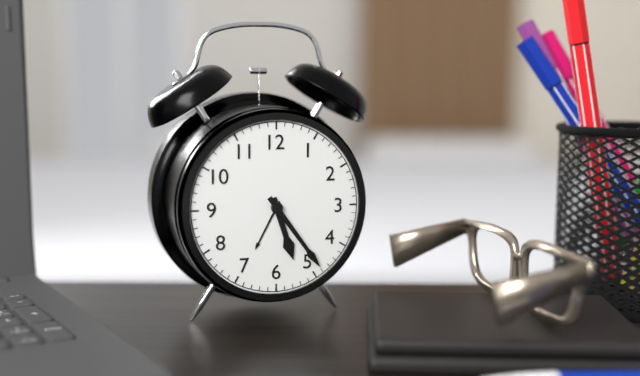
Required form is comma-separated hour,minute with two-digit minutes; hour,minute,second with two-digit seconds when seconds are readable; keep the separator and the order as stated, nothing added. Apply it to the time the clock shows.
5,24
